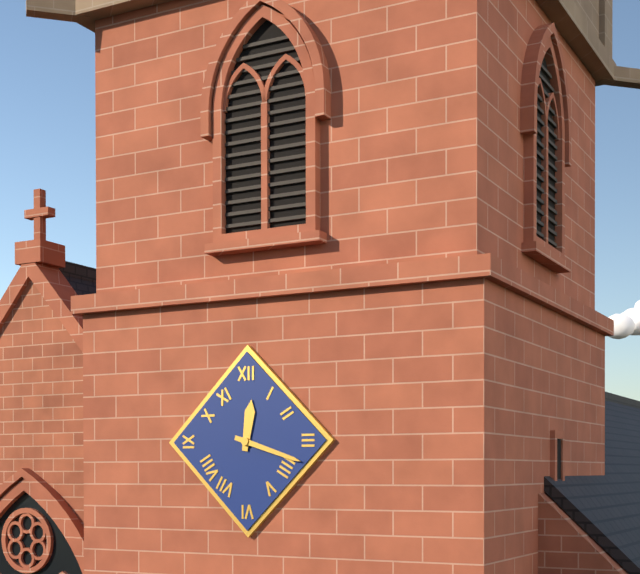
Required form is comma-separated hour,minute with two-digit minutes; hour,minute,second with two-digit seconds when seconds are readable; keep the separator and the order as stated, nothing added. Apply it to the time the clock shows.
12,18
